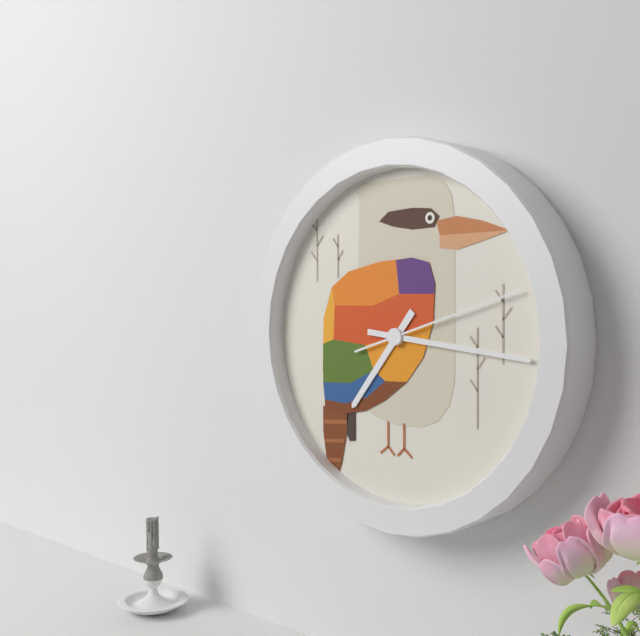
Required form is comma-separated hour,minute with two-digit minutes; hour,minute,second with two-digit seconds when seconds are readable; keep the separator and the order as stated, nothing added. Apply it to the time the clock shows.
7,16,12
